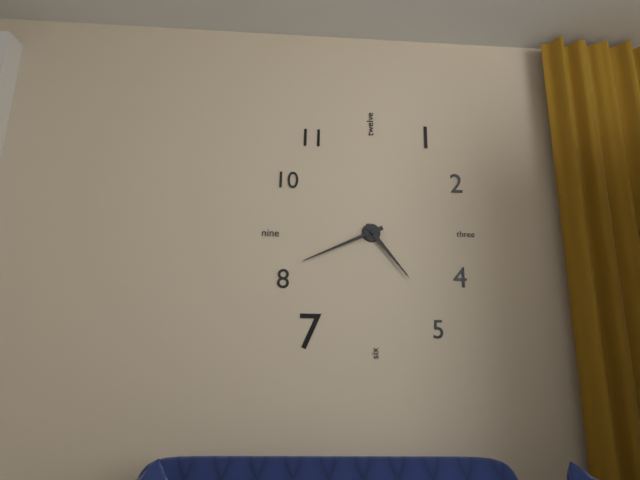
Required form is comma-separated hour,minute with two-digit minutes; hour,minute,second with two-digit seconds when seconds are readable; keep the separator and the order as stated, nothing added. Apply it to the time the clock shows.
4,41
